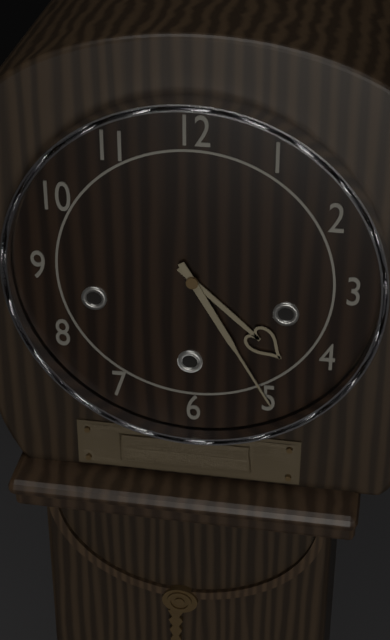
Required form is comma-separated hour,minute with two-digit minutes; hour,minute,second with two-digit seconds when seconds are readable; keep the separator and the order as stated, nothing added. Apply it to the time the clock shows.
4,25
